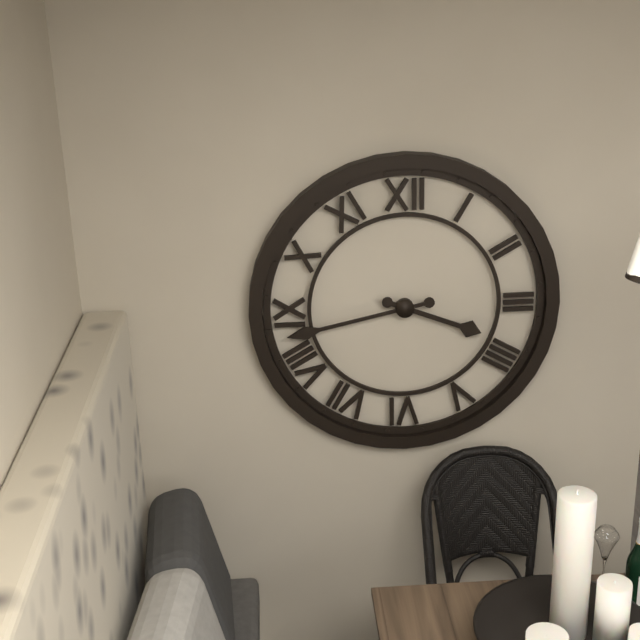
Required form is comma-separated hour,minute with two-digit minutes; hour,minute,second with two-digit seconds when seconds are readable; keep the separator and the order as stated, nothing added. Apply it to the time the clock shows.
3,43
